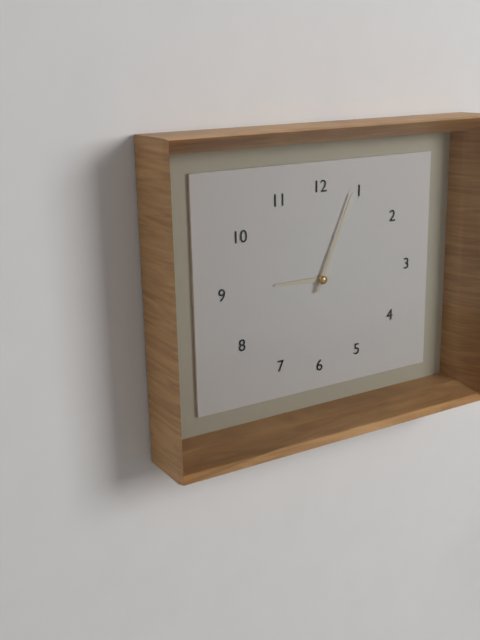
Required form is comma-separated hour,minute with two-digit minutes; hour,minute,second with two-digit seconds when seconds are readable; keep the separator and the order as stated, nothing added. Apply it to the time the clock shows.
9,04
